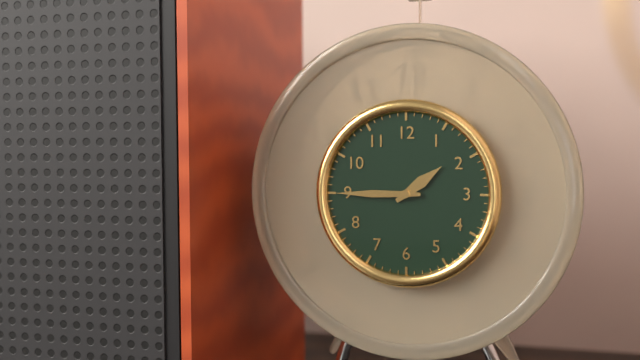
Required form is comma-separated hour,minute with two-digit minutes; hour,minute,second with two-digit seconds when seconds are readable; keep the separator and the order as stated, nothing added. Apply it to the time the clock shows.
1,45
